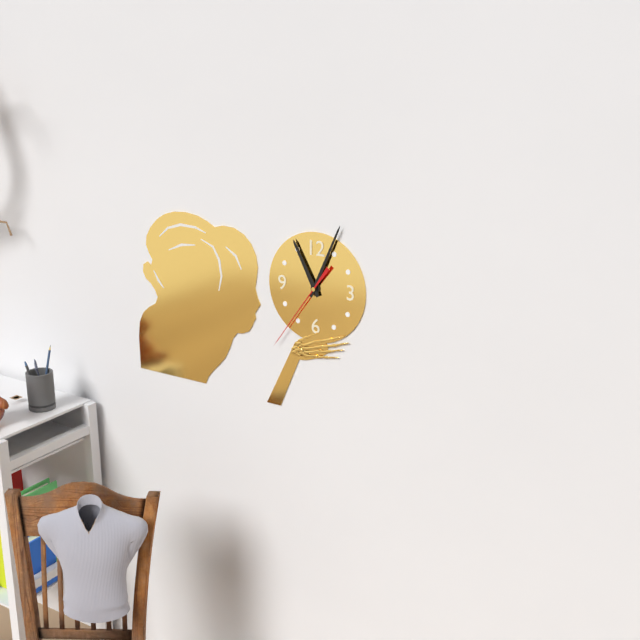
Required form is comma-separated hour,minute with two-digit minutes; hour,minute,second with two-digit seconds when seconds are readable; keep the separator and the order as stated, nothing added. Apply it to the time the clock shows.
11,04,36
